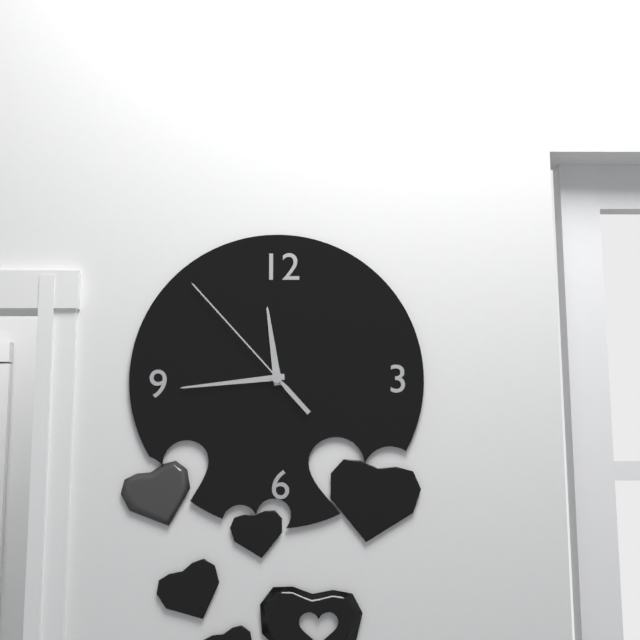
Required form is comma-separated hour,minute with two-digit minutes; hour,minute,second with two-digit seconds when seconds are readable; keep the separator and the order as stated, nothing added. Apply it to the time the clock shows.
11,44,53
